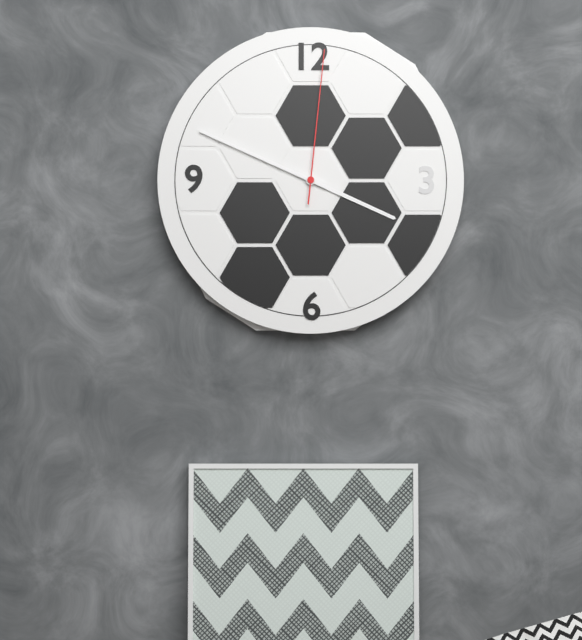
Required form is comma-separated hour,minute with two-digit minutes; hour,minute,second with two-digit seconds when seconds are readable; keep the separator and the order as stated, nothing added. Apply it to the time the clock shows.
3,49,01
